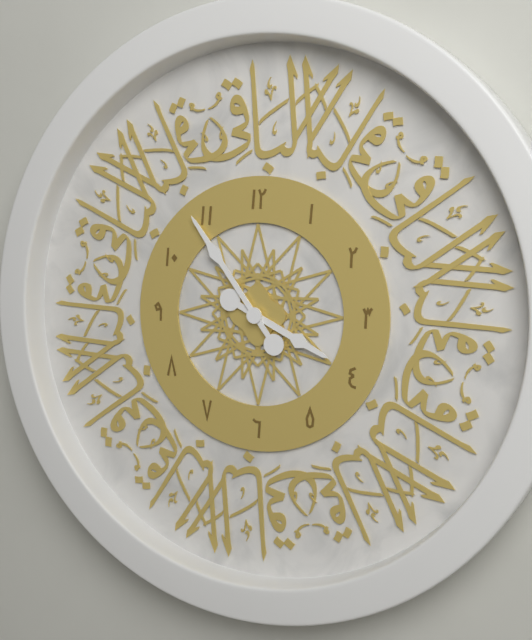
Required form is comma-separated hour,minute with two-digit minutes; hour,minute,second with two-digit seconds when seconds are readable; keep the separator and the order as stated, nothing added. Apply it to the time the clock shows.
3,54
